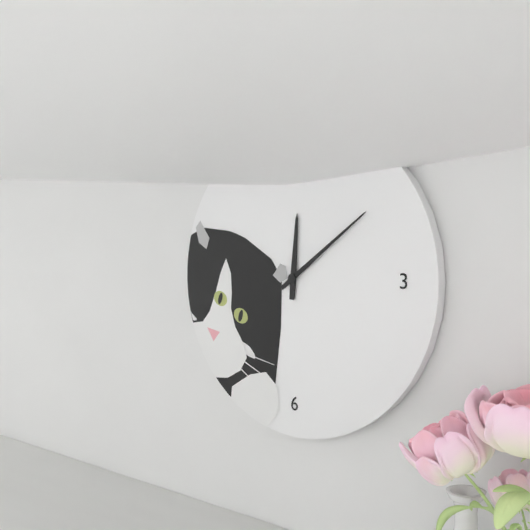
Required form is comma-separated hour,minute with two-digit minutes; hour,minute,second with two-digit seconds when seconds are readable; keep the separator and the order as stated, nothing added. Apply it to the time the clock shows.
12,09
